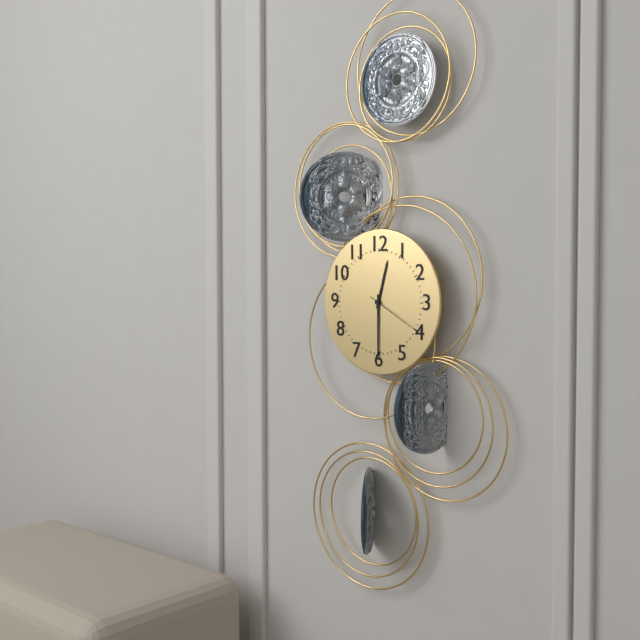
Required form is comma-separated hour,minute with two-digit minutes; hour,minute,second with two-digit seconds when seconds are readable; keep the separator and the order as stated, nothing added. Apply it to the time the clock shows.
12,30,20
